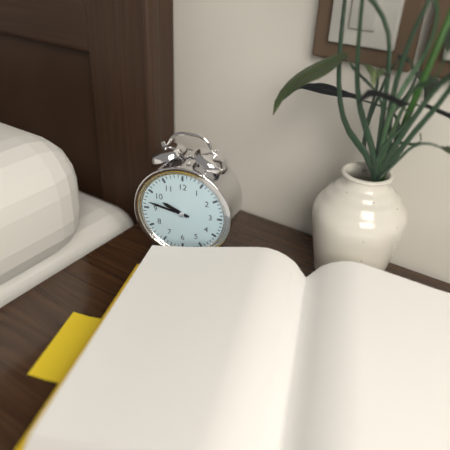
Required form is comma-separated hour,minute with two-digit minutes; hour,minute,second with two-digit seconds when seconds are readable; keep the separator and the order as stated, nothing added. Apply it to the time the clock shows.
9,47
